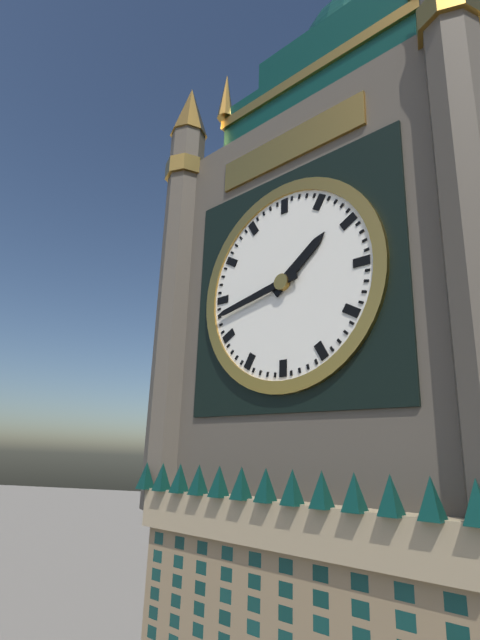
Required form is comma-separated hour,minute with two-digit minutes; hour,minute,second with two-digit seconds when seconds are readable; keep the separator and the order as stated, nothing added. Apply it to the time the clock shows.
1,43
